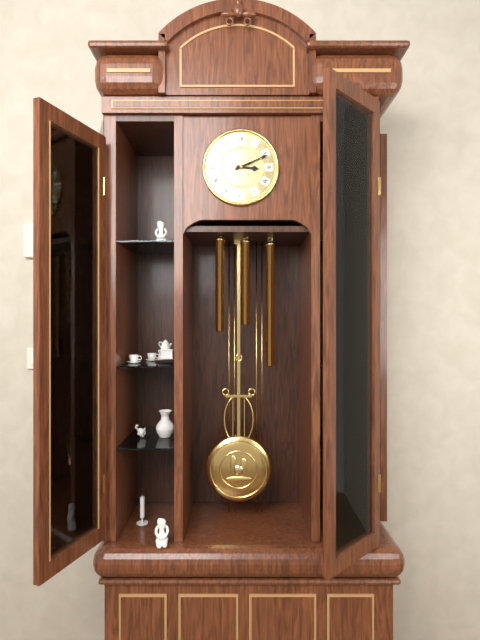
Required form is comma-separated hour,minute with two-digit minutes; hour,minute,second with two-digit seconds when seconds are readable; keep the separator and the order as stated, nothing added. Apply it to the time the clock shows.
3,11
